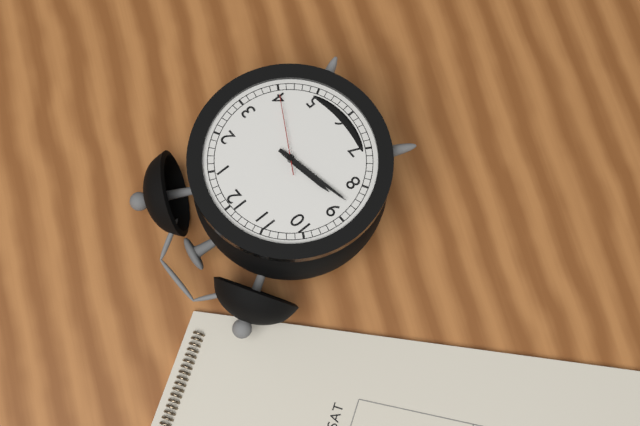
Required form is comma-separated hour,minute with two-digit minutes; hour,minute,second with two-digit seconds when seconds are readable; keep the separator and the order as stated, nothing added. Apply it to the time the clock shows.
8,43,20
